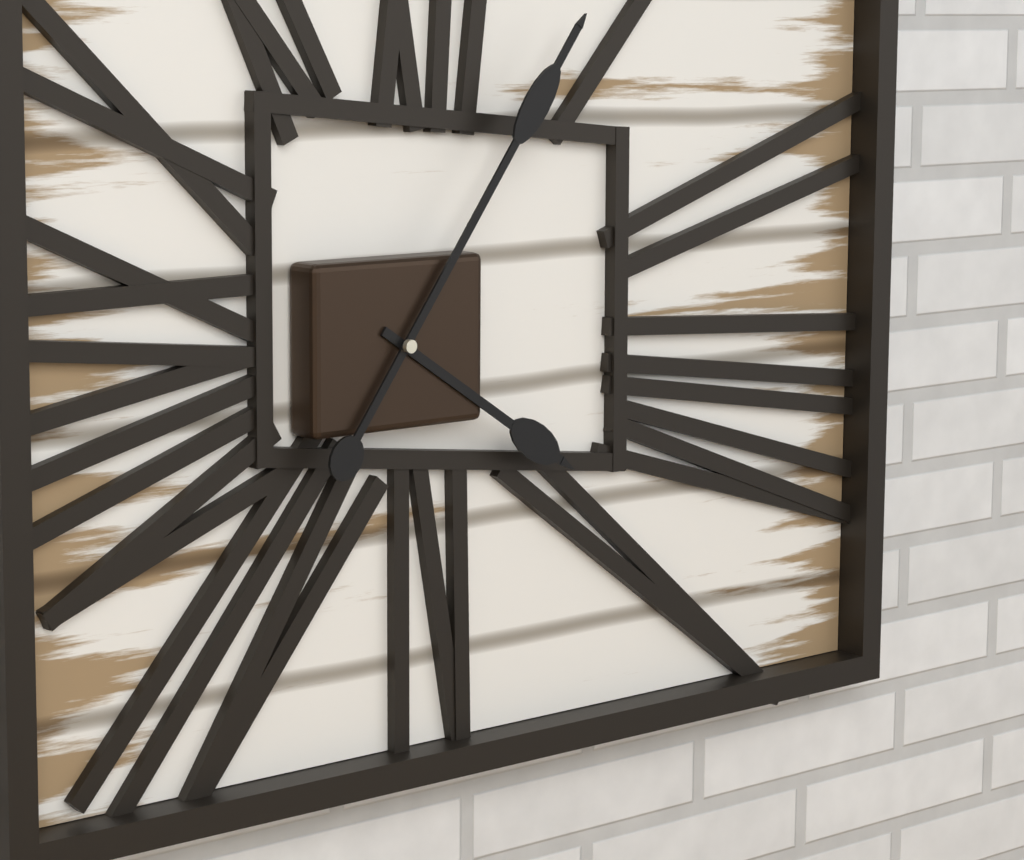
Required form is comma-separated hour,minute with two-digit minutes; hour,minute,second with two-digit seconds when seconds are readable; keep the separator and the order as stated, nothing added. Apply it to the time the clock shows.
4,06
